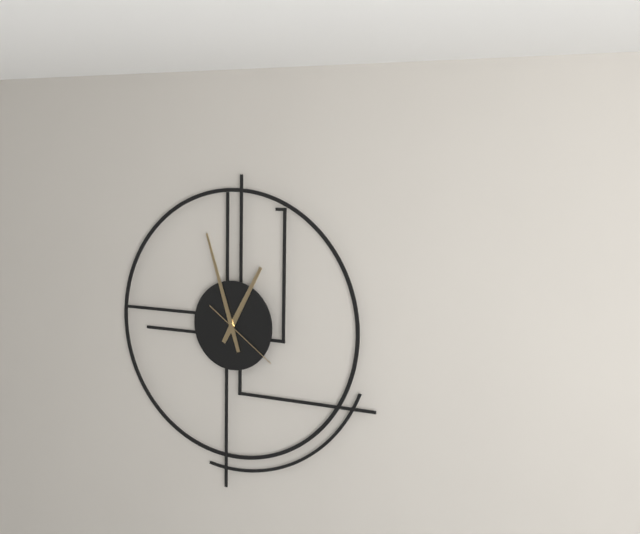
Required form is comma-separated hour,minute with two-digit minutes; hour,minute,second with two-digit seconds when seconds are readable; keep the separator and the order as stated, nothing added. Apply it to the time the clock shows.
12,57,21
